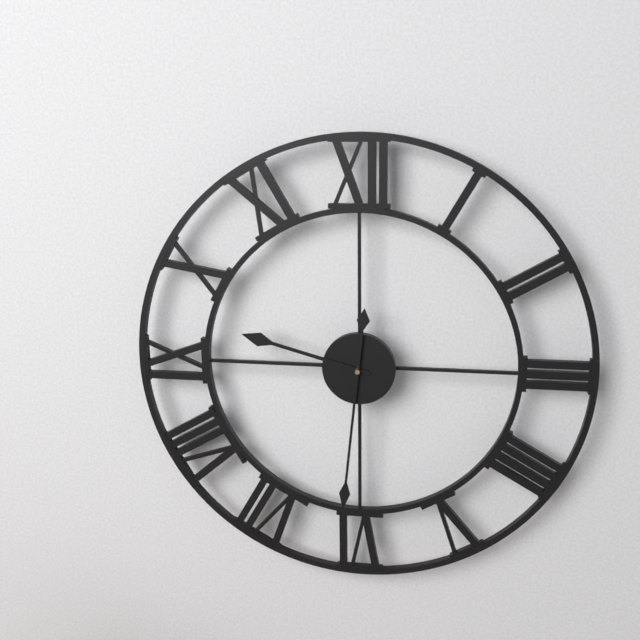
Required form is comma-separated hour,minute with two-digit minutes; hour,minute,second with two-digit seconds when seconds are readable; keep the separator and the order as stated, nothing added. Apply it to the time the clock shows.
9,31
